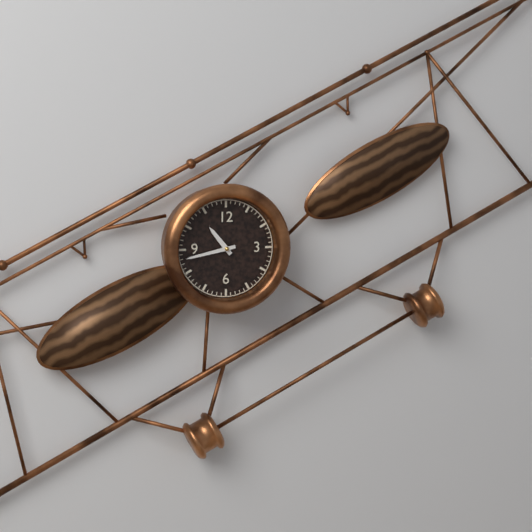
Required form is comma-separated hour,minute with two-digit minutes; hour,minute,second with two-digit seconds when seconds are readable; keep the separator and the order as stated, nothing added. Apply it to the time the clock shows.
10,43
